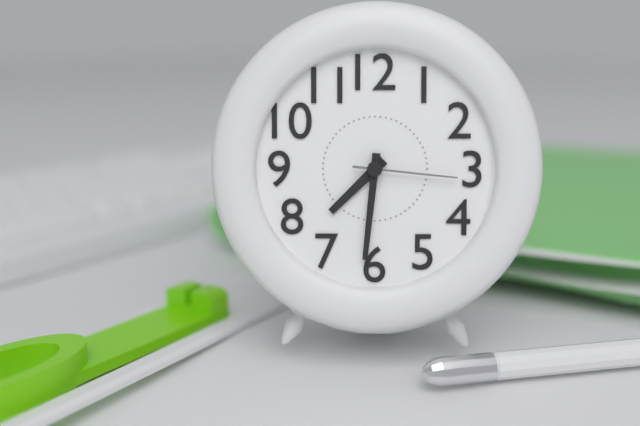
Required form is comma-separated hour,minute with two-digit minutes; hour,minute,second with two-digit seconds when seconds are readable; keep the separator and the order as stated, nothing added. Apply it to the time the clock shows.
7,31,16
